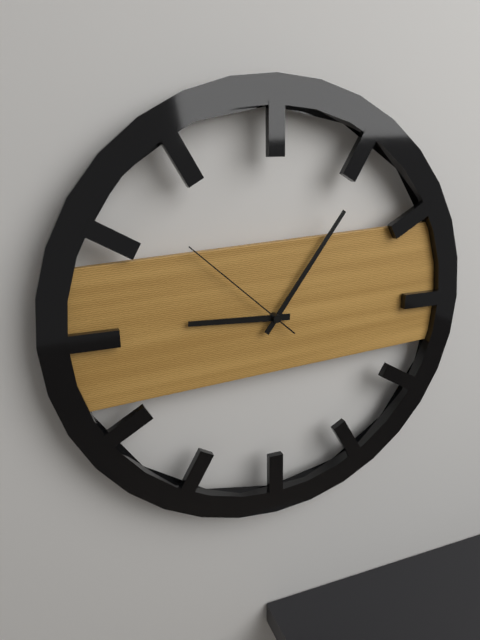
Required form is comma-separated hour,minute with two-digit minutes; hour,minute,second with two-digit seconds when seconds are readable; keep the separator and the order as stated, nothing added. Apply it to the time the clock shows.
9,06,52
